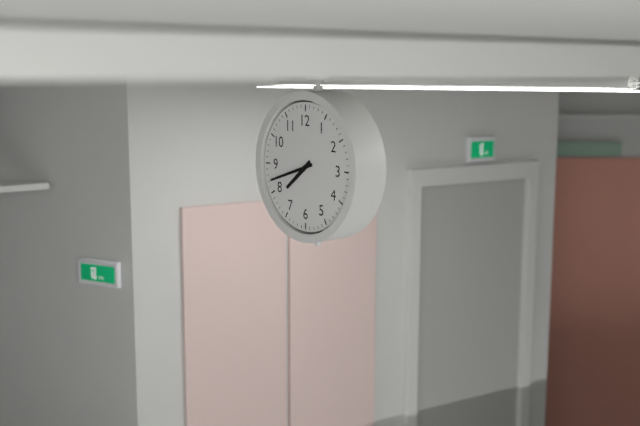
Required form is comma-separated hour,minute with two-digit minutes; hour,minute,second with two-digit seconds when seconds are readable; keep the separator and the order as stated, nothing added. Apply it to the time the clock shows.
7,42
